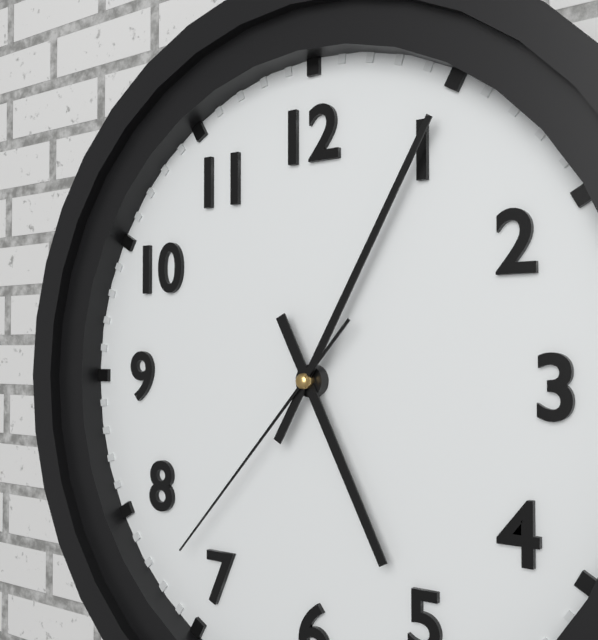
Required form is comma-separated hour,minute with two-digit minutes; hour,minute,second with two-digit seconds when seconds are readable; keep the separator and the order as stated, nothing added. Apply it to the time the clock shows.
5,05,37
